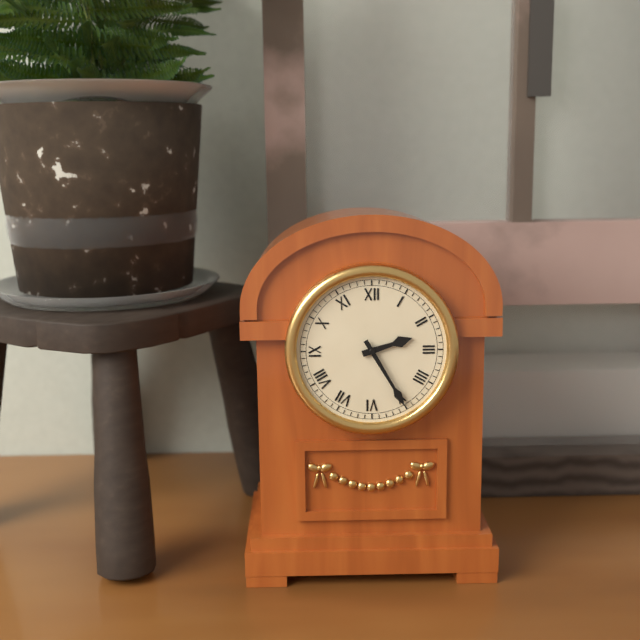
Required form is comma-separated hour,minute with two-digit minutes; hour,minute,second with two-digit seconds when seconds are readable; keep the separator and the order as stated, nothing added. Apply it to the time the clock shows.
2,25
